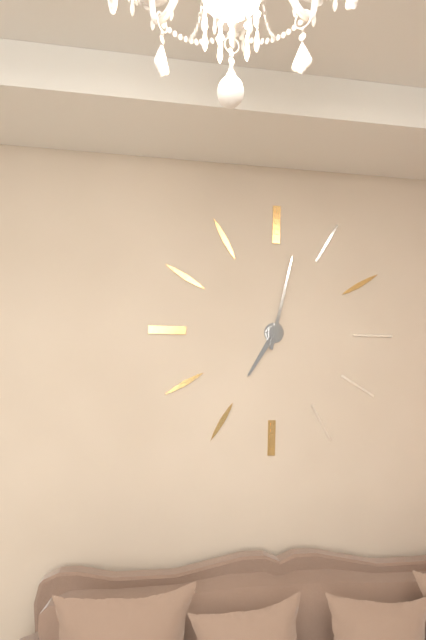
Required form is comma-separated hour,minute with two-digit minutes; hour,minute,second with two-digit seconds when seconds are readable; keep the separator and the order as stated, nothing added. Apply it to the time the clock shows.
7,02
